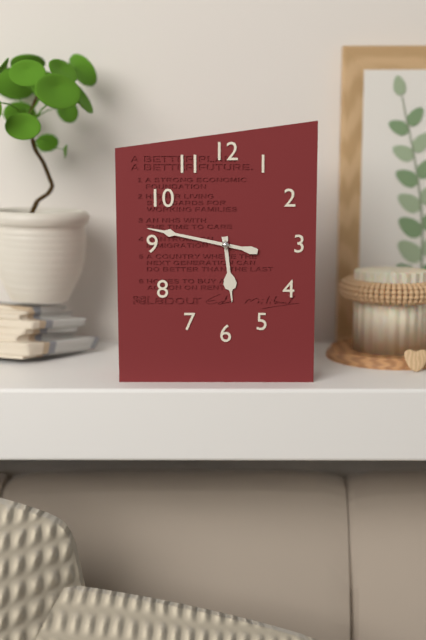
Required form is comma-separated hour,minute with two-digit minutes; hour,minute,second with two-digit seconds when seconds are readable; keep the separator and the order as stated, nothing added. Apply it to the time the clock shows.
5,47
